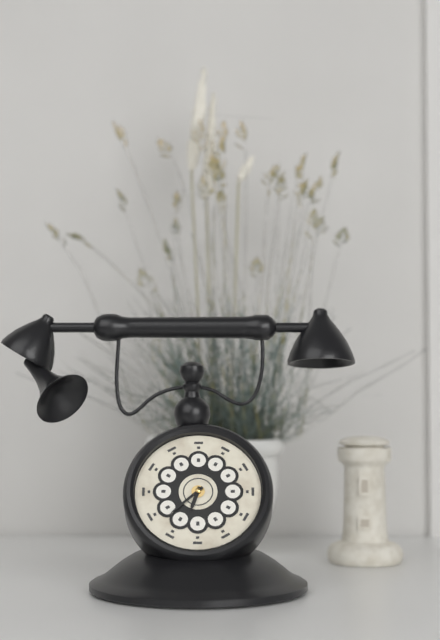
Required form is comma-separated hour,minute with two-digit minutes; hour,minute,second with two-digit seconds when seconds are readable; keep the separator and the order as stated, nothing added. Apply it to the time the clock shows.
6,38
